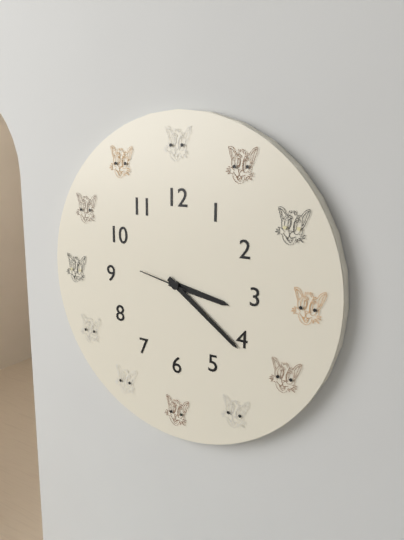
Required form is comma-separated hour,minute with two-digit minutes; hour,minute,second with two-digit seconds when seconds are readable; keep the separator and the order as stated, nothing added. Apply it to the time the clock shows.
3,21,47
